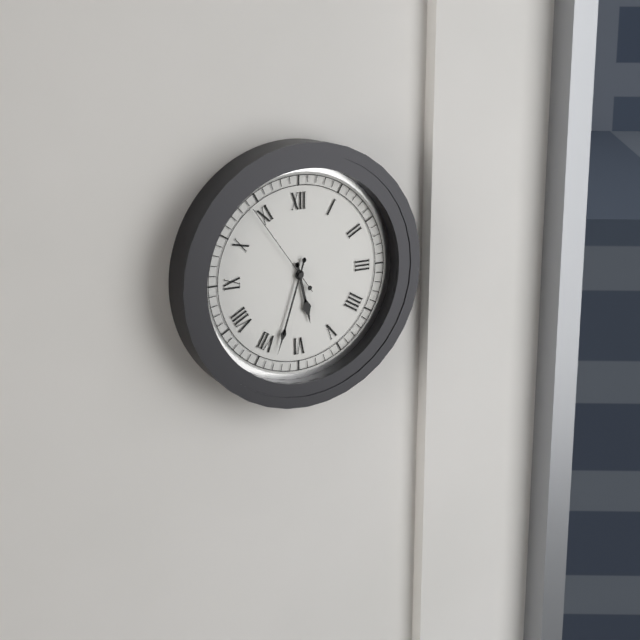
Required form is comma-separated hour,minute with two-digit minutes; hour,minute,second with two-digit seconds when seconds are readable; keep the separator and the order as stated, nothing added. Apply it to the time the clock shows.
5,33,54
